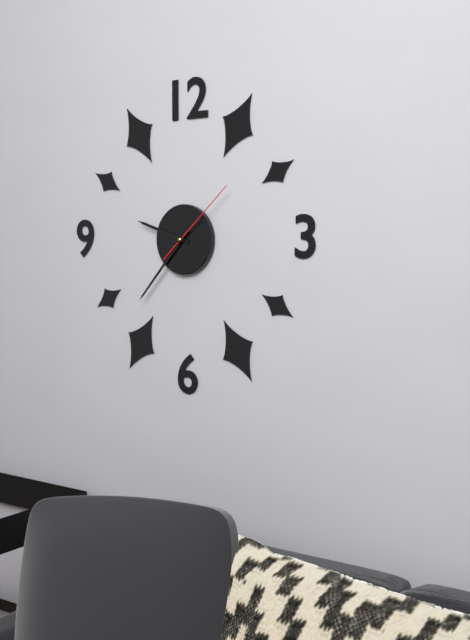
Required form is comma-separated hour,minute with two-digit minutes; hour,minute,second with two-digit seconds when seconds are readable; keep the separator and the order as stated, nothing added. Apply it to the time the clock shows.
9,37,08
